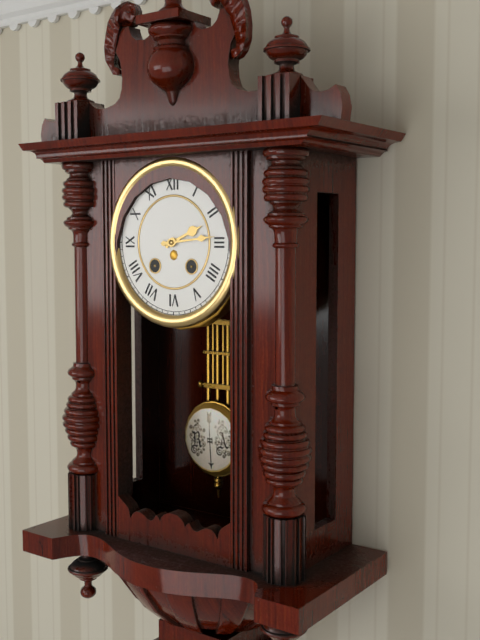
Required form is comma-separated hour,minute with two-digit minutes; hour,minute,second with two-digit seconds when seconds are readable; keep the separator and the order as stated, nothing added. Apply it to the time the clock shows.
2,14
